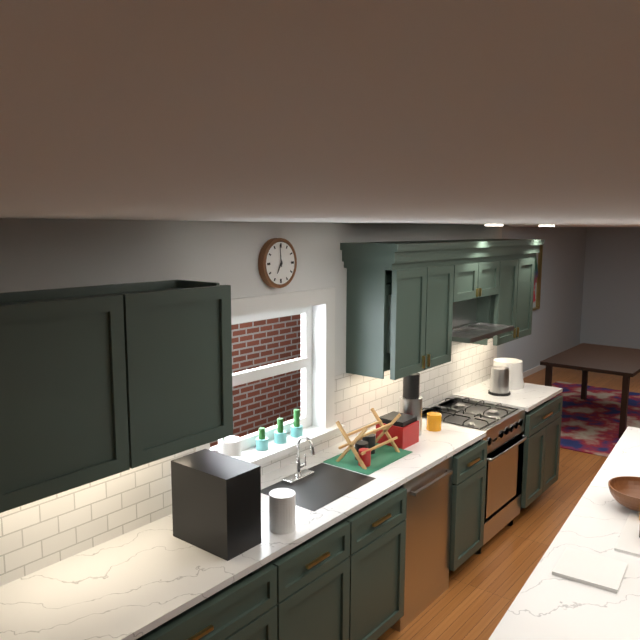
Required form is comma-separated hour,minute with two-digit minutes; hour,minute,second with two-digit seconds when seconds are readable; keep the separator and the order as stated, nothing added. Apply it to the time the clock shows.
6,59
